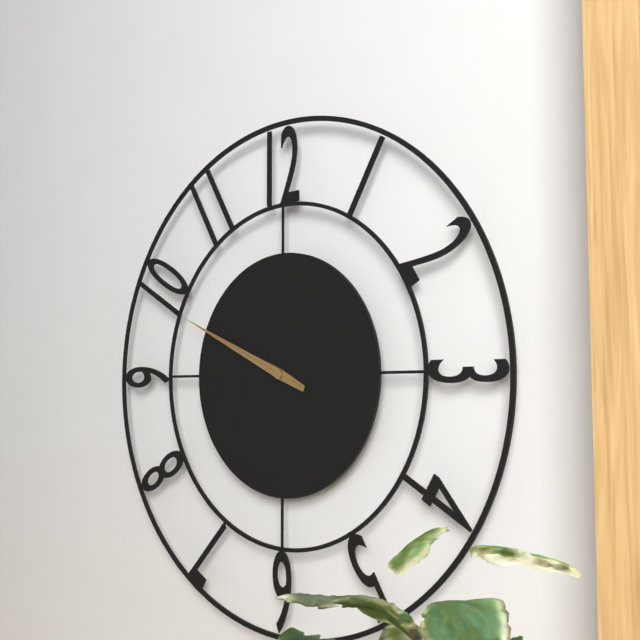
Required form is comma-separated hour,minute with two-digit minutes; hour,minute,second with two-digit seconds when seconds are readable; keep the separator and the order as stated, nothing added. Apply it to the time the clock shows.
9,49,49
